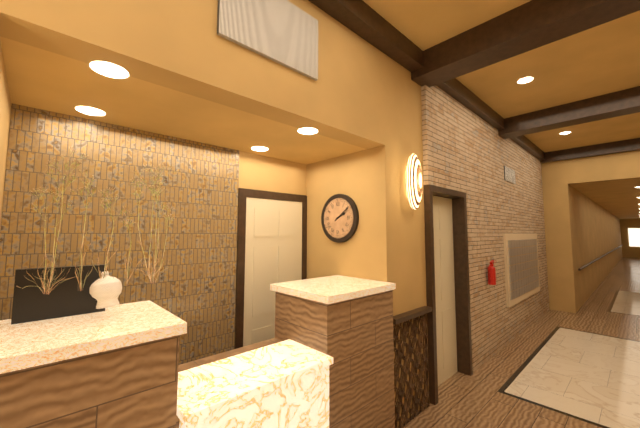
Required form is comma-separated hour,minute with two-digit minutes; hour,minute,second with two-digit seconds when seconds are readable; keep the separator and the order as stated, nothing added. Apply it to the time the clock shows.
2,09
